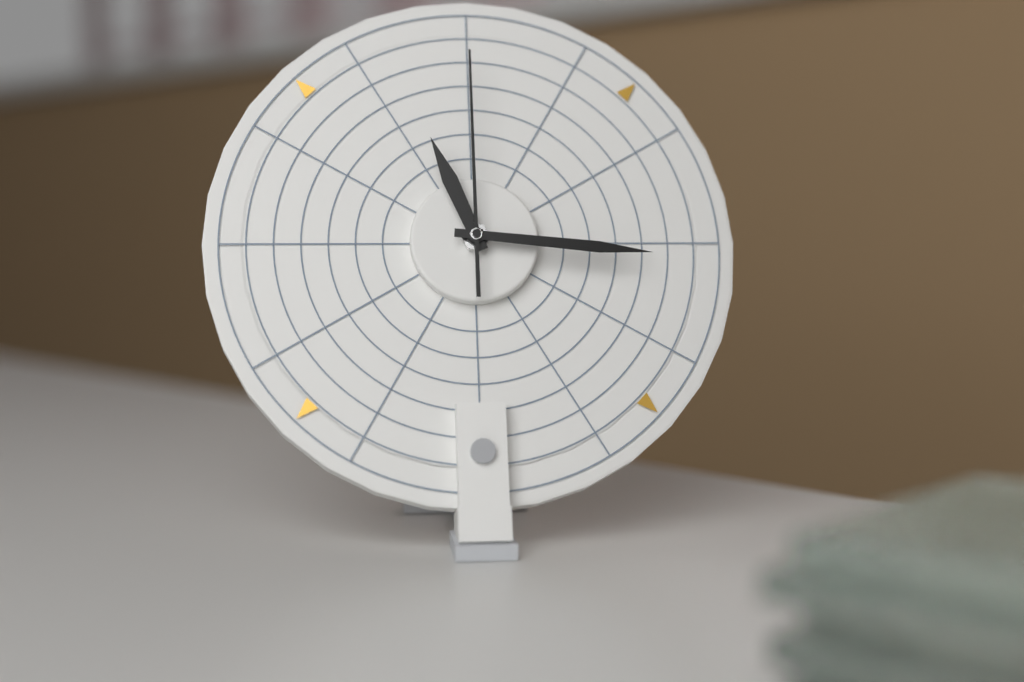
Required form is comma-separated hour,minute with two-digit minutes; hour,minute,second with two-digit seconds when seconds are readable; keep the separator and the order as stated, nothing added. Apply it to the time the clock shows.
11,16,00
